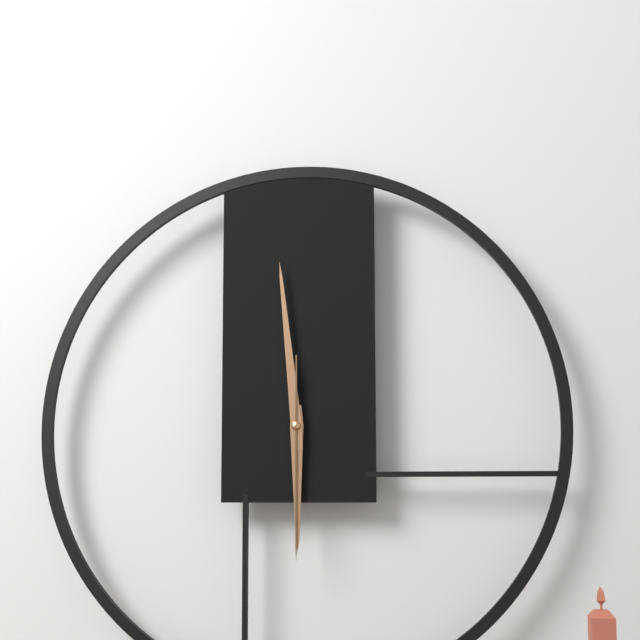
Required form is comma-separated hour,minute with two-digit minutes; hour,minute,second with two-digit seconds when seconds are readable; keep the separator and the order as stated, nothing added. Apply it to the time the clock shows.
5,59,30
